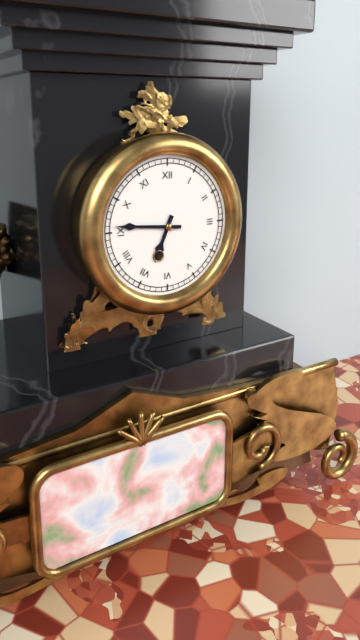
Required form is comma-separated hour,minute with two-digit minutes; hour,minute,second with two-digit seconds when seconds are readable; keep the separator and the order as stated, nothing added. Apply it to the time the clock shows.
6,46
